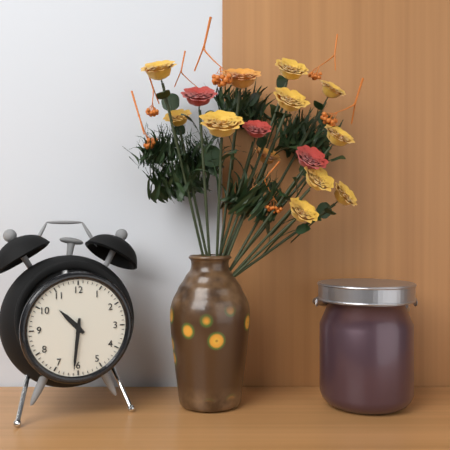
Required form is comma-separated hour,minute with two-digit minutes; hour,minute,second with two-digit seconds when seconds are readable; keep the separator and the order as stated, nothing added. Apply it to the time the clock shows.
10,31
